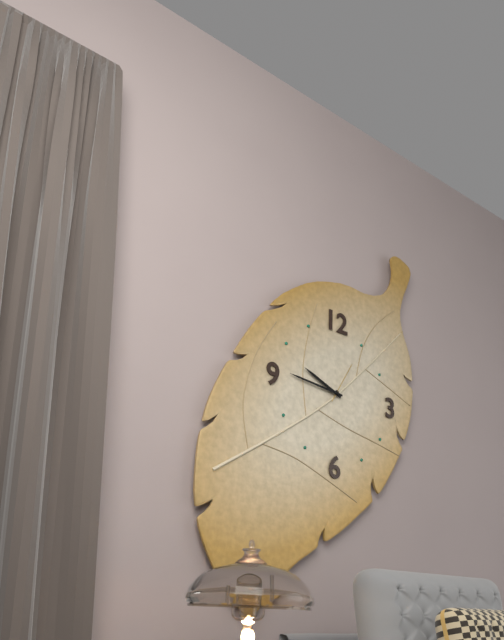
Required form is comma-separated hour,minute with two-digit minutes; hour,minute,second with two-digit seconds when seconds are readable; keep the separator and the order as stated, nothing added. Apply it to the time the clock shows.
9,46
